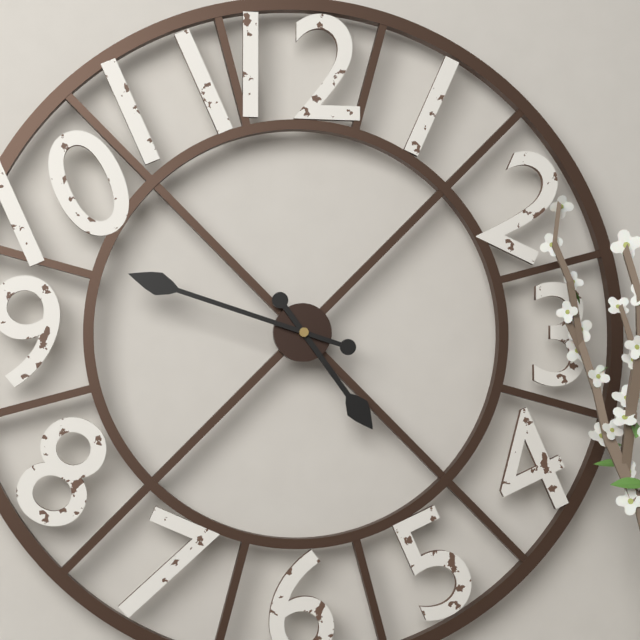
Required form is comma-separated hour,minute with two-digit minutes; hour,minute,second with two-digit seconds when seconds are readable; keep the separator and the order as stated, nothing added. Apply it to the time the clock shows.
4,48
